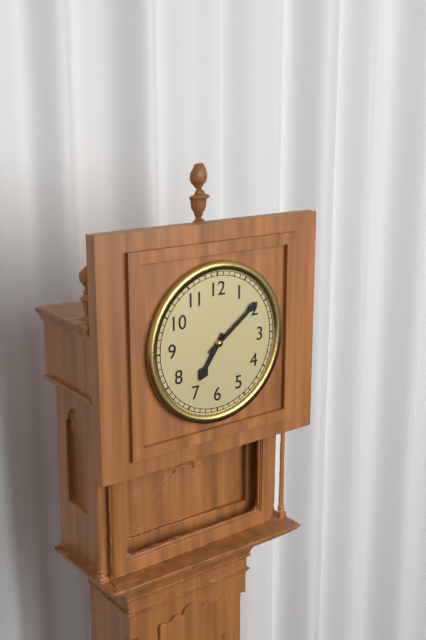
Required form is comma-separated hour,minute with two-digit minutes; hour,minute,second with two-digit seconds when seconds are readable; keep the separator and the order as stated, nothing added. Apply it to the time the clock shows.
7,09
